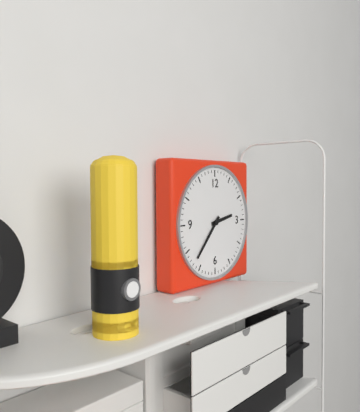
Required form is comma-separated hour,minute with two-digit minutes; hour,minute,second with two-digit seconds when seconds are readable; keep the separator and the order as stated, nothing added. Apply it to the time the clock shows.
2,37
